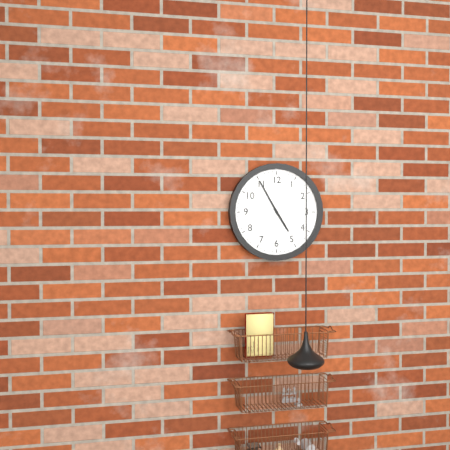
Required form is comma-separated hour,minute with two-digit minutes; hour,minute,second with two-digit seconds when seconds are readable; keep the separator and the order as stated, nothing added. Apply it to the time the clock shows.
4,55
